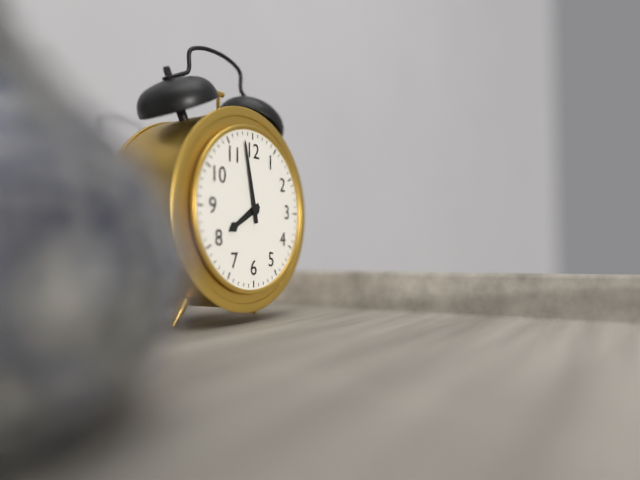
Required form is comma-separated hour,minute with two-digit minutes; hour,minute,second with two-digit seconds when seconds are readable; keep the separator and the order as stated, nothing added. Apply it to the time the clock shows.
7,58
